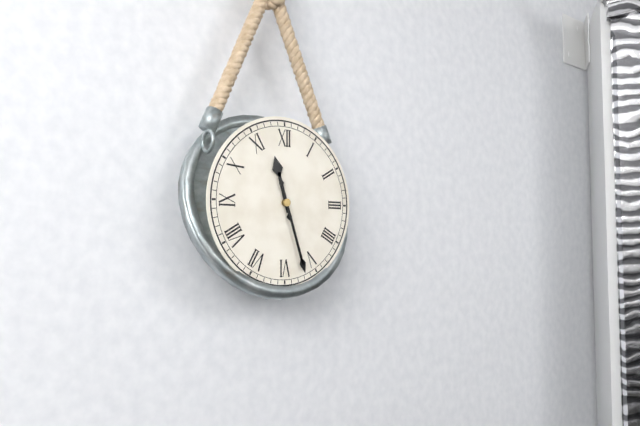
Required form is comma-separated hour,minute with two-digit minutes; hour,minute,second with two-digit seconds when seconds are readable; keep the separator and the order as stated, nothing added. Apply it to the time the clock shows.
11,27
